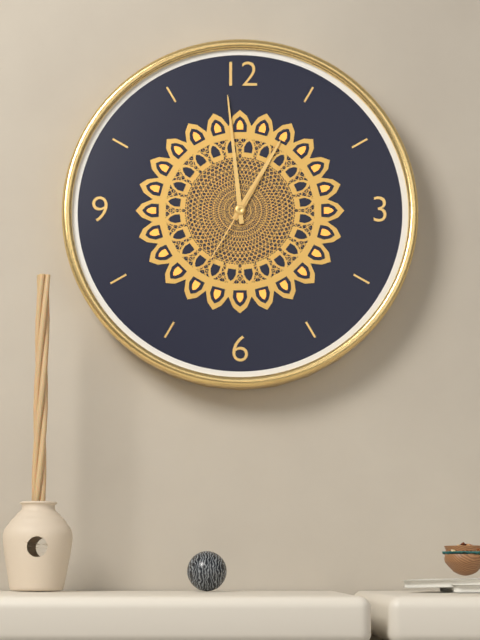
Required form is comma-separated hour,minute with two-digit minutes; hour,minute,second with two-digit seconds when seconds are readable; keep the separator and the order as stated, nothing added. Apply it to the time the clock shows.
12,59,35
